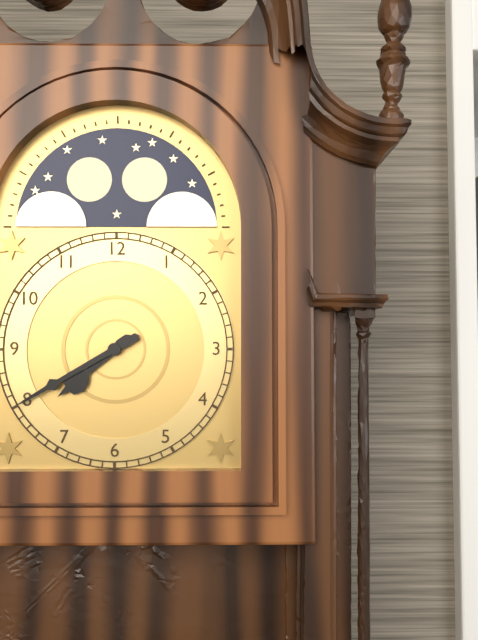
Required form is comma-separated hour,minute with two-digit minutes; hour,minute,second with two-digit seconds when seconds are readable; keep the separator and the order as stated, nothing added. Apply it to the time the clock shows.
7,40
